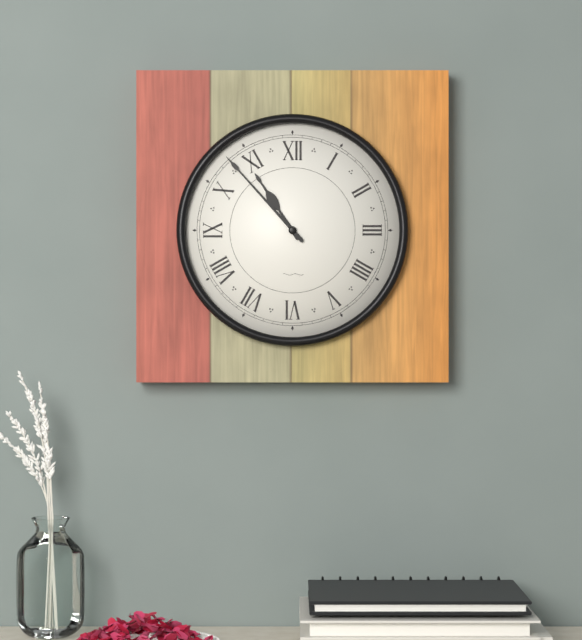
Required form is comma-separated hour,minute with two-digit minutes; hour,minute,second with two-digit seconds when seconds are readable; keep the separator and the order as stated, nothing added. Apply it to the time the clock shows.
10,53
